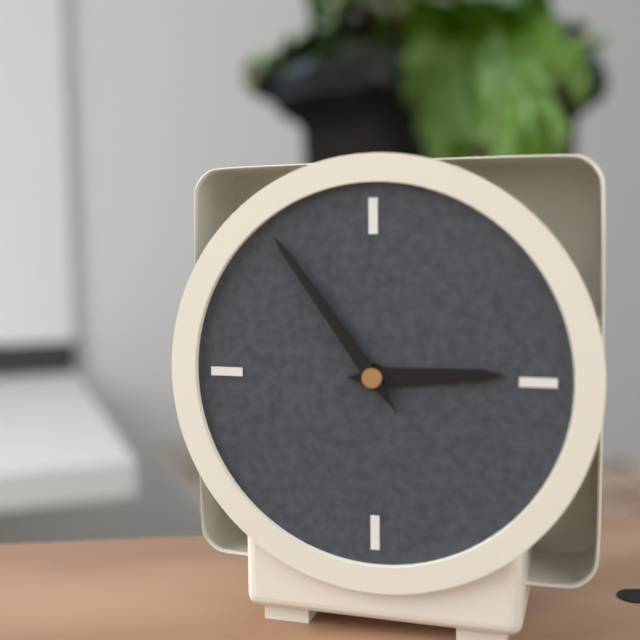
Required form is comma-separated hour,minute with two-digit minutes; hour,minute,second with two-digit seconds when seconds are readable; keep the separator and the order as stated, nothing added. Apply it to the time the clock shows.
2,54
